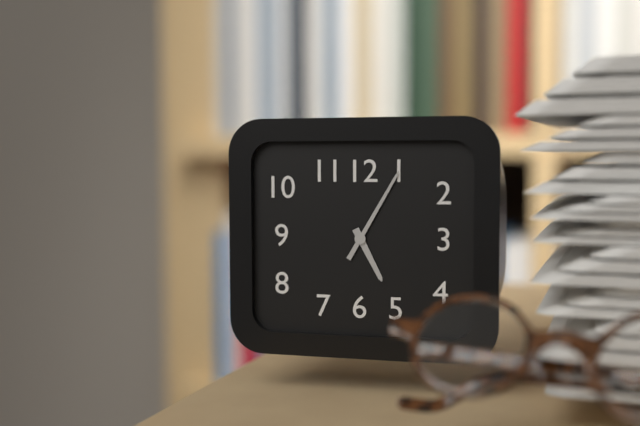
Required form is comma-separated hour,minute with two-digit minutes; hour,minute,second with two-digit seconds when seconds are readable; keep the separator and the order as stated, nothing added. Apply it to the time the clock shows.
5,05
